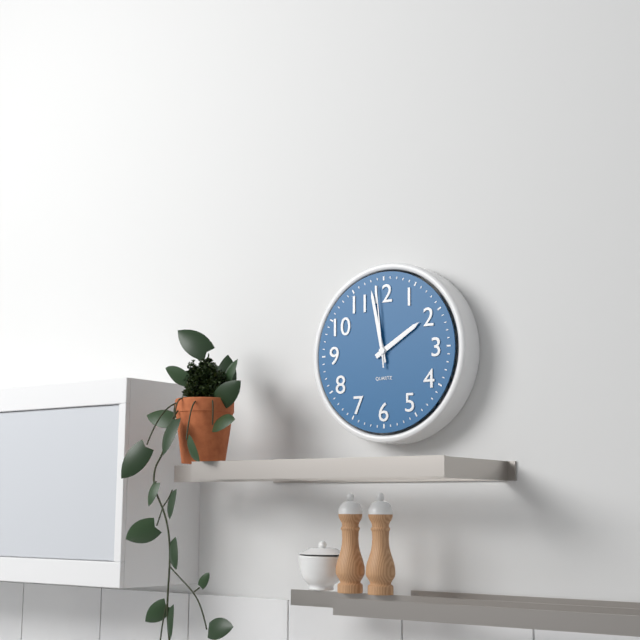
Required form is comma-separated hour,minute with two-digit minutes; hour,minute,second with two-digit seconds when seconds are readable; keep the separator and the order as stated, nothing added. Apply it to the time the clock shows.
1,58,59
